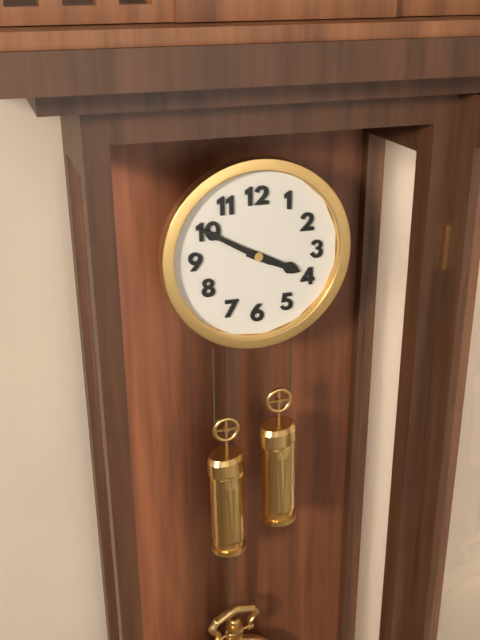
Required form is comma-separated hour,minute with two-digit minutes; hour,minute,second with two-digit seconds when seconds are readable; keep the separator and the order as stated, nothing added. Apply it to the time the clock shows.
3,50
